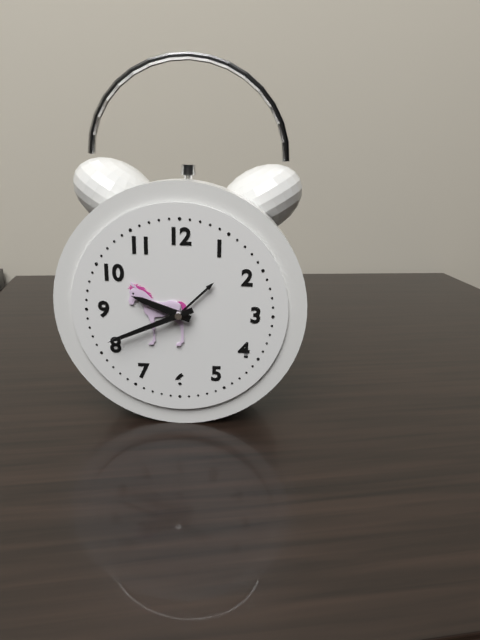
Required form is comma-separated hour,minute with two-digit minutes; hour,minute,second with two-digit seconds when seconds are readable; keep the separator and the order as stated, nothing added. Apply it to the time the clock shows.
9,41
